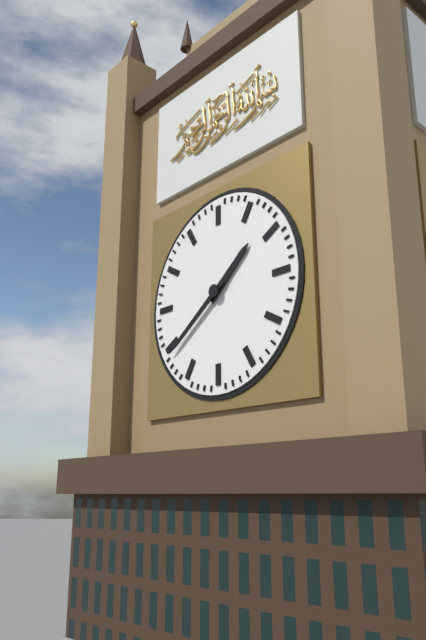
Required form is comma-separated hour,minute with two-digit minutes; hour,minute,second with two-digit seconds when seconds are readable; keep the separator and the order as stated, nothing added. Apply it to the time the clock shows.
1,39
